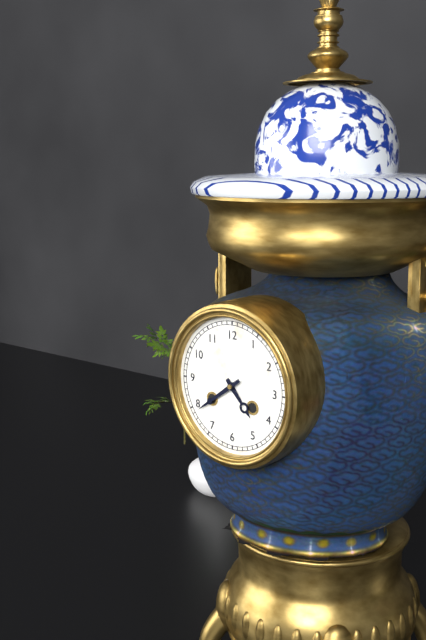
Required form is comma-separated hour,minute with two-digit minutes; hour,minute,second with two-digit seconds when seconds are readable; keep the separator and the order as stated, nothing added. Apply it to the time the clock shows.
4,39
